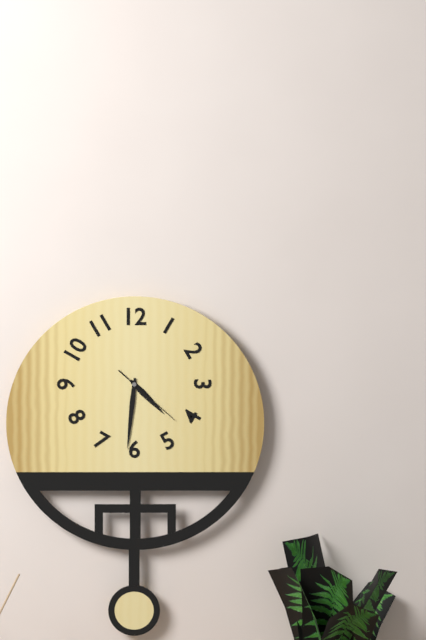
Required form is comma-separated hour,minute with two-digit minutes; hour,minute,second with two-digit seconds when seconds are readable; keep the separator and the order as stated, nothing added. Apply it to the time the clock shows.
4,31,22
